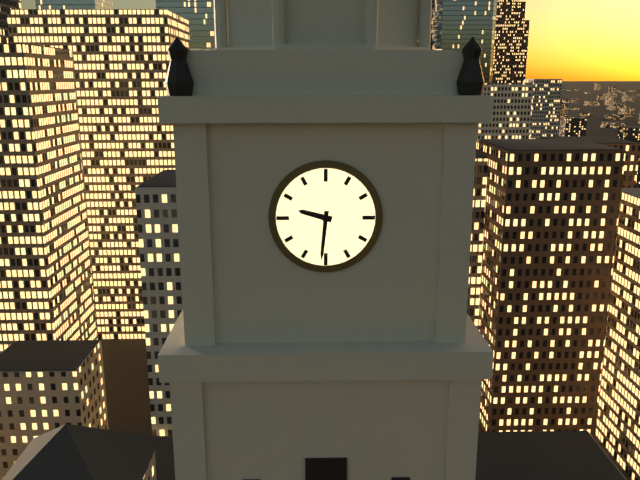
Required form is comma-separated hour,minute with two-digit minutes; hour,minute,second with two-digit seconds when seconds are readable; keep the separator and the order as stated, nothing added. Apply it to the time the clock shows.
9,31
